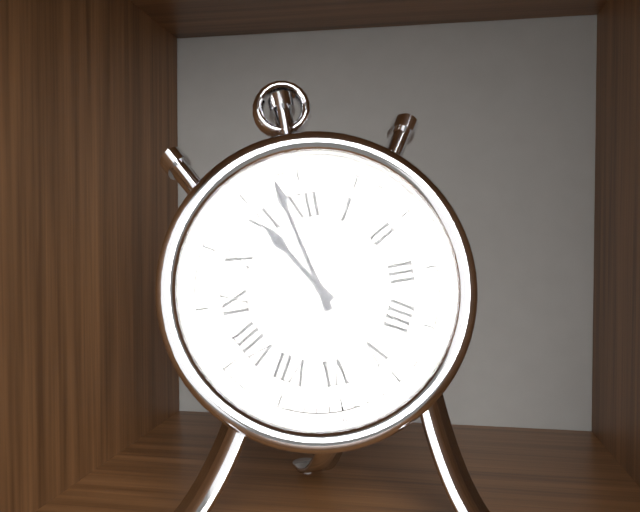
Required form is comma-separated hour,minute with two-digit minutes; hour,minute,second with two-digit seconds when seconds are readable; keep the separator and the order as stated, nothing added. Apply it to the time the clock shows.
10,58
